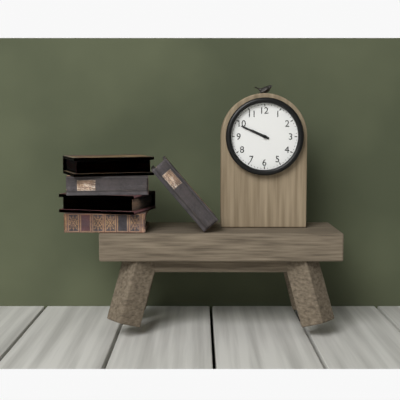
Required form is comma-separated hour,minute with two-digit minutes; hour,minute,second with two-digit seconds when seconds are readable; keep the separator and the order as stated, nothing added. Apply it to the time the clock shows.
9,49
